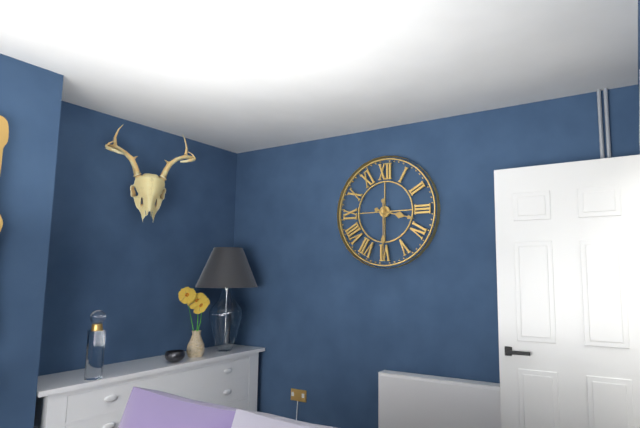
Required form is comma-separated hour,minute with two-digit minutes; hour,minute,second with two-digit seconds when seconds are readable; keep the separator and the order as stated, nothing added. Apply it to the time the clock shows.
3,30
